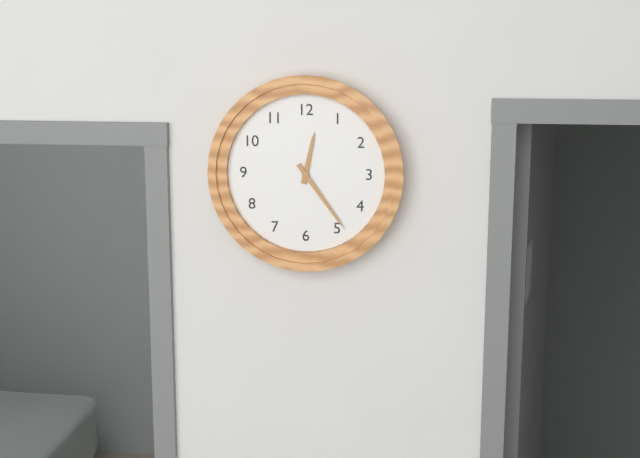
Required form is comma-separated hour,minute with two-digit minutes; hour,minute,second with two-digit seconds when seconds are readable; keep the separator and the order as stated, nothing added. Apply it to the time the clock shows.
12,24
